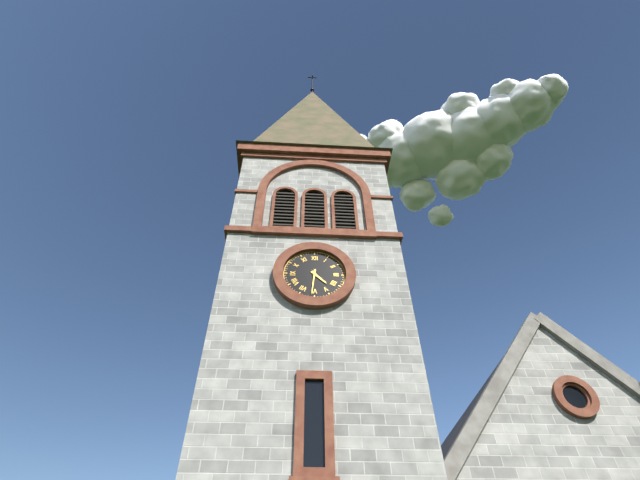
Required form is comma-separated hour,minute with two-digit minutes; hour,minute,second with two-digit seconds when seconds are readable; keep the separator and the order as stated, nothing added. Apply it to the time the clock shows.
4,31
